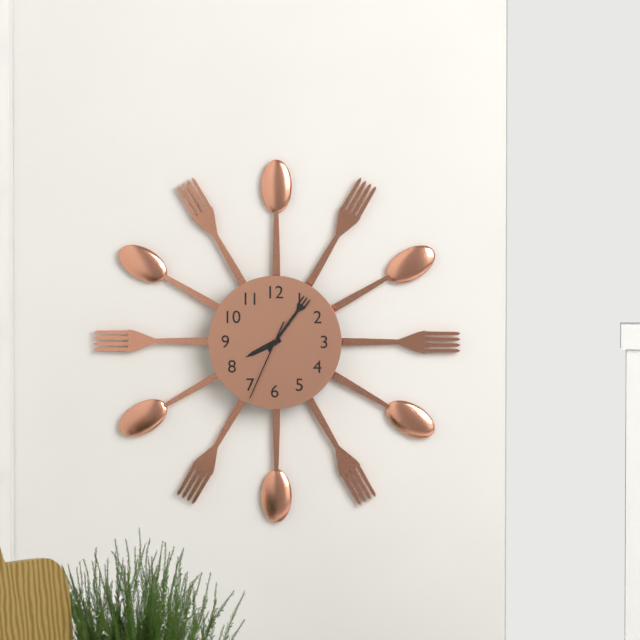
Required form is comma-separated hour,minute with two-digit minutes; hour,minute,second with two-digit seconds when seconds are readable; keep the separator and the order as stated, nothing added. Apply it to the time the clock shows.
8,06,34
